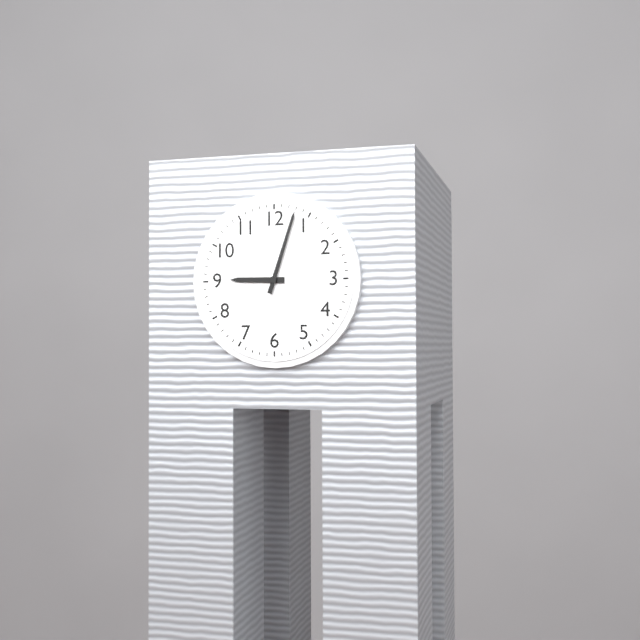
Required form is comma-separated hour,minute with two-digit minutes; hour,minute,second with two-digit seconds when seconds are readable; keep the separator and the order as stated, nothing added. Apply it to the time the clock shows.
9,03
